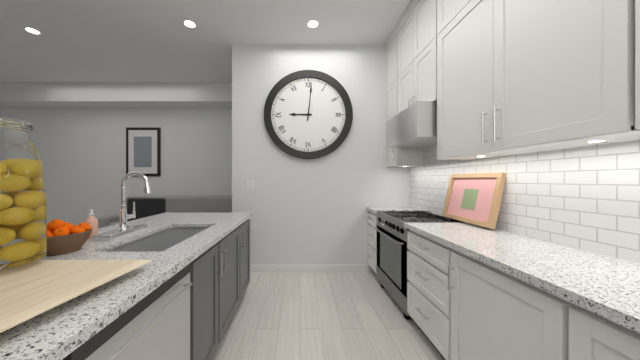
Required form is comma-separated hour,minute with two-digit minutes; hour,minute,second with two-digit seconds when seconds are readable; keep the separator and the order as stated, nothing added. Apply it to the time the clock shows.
9,01
